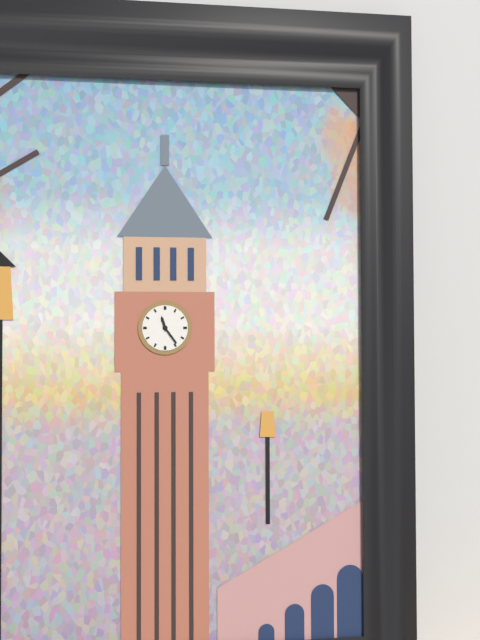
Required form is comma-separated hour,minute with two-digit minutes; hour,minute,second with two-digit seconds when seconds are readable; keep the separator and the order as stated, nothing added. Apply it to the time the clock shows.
11,24
